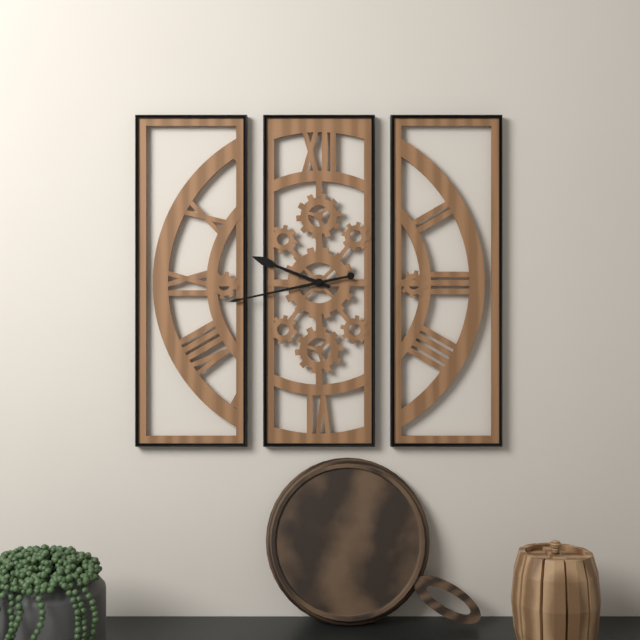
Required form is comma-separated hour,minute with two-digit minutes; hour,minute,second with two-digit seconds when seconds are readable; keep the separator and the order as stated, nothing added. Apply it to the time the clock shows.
9,43
